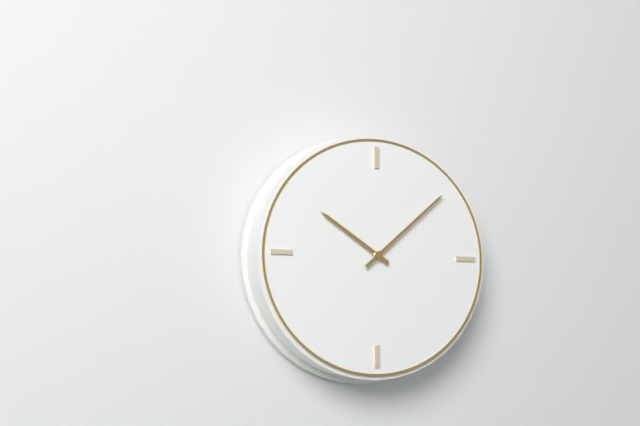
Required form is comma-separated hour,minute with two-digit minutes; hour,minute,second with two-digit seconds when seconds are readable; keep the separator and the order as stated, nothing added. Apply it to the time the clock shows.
10,08
